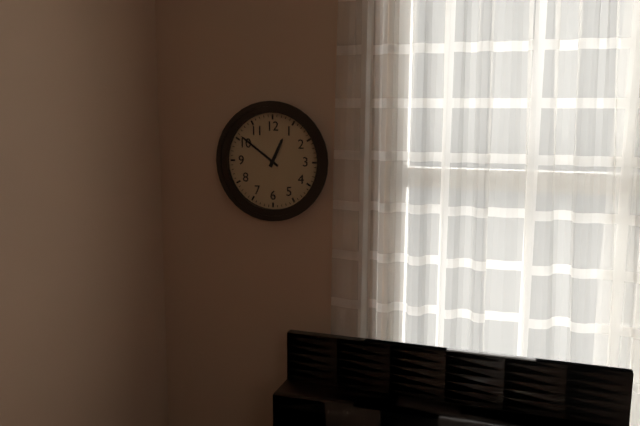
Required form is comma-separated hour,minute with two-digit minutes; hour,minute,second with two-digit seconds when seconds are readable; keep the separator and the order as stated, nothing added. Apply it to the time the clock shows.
12,51
